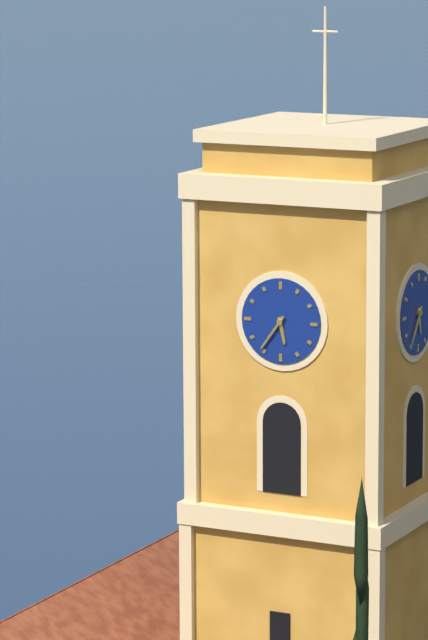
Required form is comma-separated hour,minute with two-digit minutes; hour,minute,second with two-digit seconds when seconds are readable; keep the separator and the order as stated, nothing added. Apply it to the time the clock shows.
5,36
